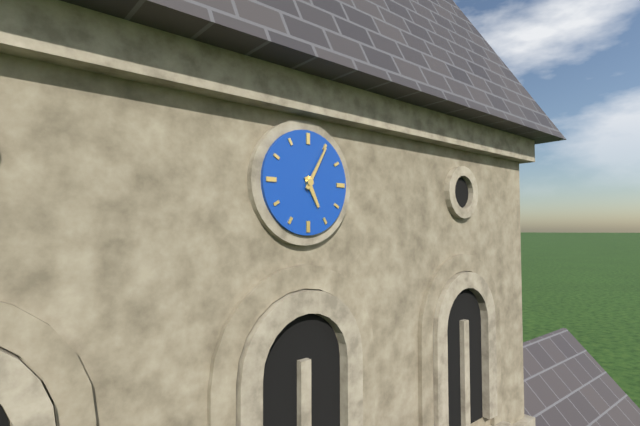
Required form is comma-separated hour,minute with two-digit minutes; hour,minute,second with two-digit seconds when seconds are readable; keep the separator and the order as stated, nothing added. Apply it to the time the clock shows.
5,05
